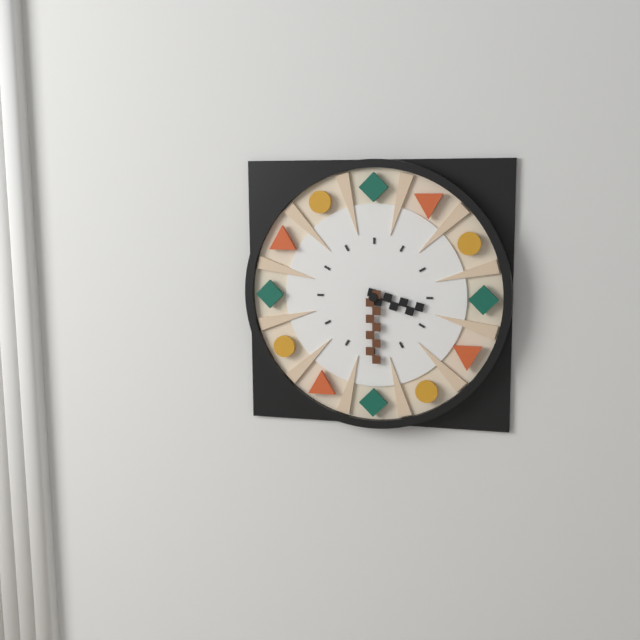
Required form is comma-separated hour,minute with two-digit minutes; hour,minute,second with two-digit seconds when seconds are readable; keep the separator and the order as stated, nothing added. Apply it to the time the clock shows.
3,30
